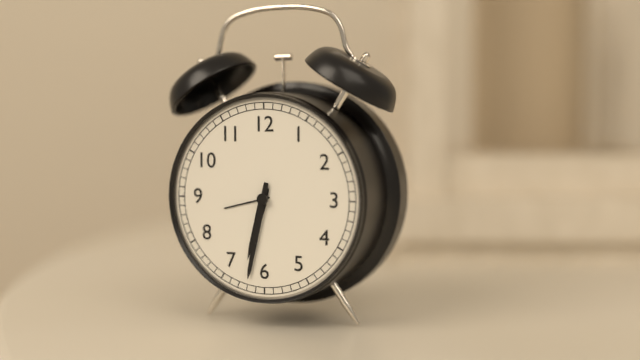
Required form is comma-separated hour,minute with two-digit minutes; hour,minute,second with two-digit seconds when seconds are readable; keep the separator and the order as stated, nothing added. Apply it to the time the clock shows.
6,32
